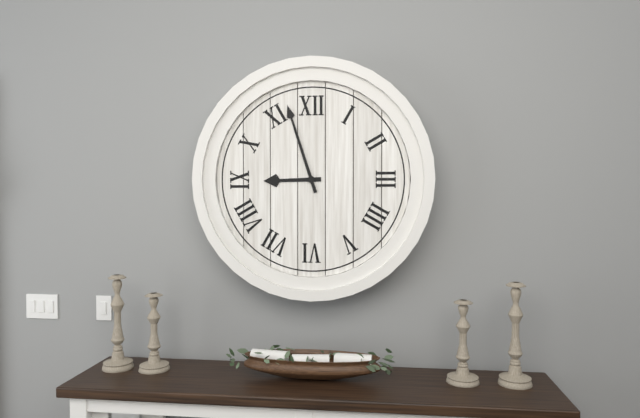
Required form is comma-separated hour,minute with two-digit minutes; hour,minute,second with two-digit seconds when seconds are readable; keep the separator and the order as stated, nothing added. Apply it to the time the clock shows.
8,57
